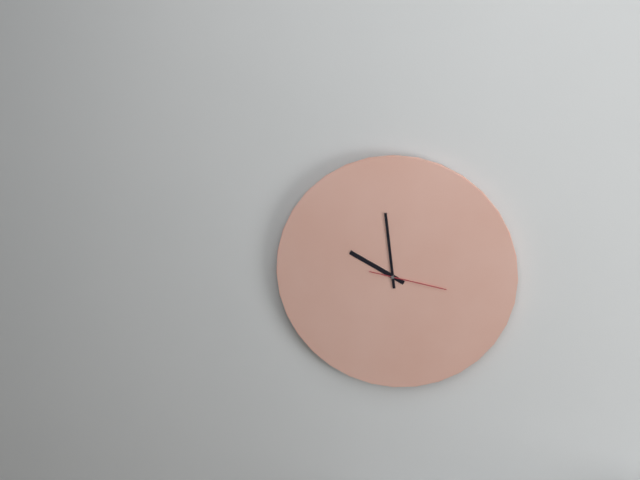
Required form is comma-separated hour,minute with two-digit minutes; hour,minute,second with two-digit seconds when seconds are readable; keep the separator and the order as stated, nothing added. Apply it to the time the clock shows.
9,59,17
